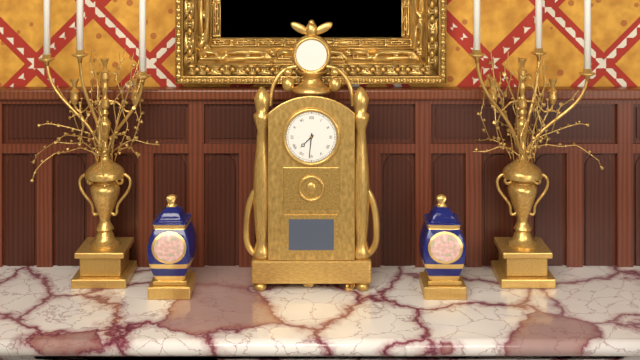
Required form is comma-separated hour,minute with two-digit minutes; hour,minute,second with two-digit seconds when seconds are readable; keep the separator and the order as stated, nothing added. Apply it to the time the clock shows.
7,31
